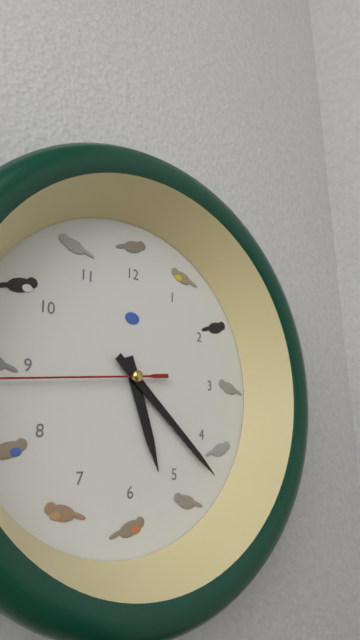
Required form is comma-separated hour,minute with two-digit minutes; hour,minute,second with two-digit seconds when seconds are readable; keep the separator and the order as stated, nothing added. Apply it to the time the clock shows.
5,22
